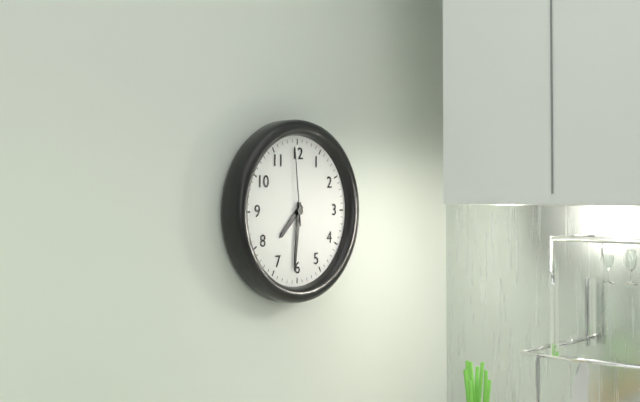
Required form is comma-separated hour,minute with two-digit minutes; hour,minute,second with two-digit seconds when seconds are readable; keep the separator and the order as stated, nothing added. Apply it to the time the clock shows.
7,31,59
